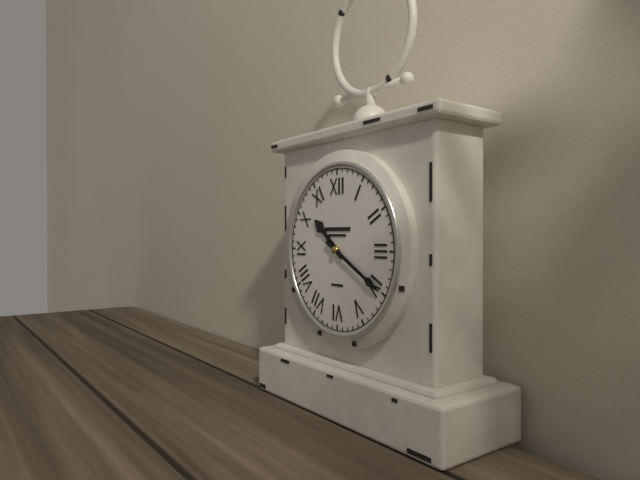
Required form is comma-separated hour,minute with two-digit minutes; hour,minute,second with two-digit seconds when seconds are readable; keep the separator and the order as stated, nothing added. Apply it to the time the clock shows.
10,20
